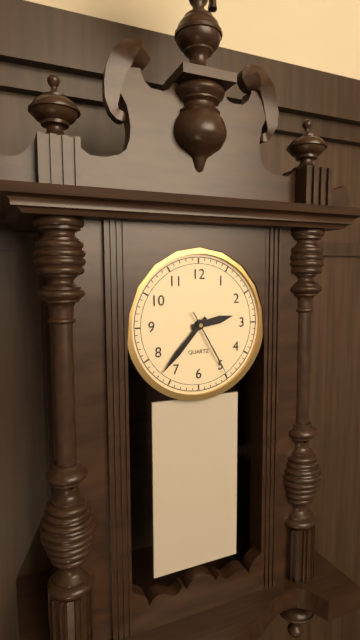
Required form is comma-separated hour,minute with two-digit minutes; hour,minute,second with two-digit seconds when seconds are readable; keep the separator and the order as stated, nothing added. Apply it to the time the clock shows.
2,37,25
